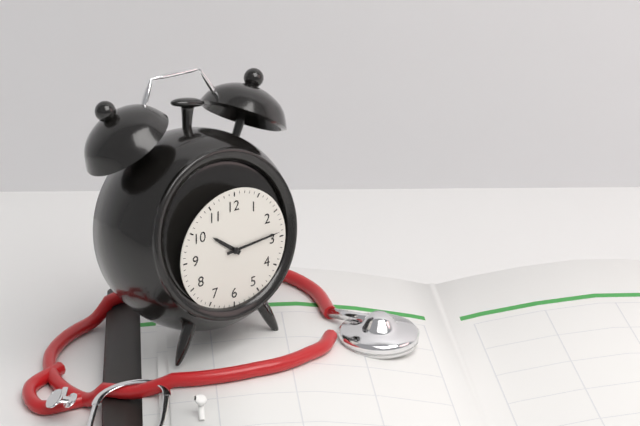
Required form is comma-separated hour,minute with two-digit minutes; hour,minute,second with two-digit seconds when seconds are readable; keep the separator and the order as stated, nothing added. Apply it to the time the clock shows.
10,14
